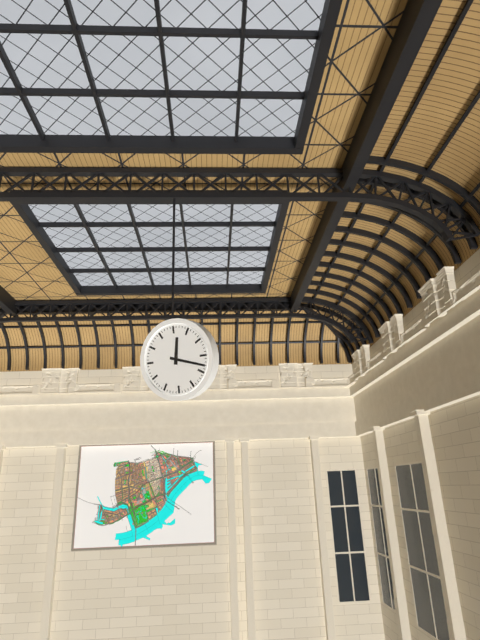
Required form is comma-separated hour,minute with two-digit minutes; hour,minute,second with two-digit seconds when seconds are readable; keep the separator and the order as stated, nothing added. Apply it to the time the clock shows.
12,18
